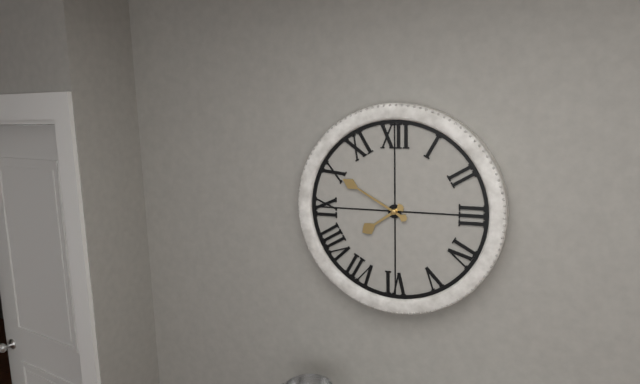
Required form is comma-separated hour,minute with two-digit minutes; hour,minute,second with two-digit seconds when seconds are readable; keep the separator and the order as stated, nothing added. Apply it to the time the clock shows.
7,50
